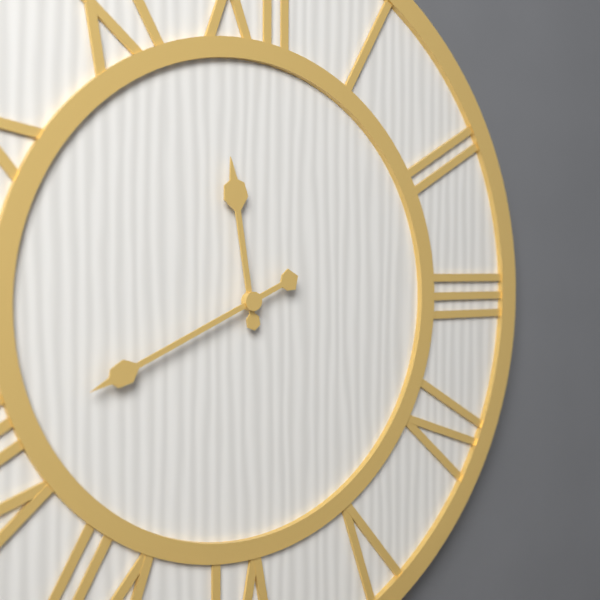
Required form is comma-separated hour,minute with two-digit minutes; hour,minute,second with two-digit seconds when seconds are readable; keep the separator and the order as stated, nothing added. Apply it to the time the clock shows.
11,41
